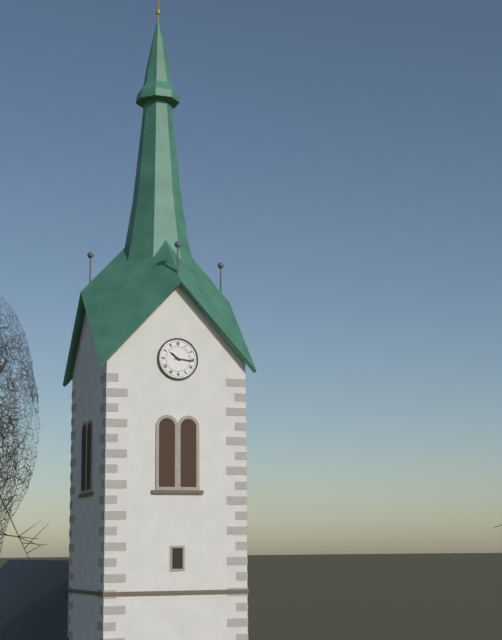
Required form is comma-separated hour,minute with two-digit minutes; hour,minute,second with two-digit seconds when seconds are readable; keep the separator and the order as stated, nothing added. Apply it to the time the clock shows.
10,16
